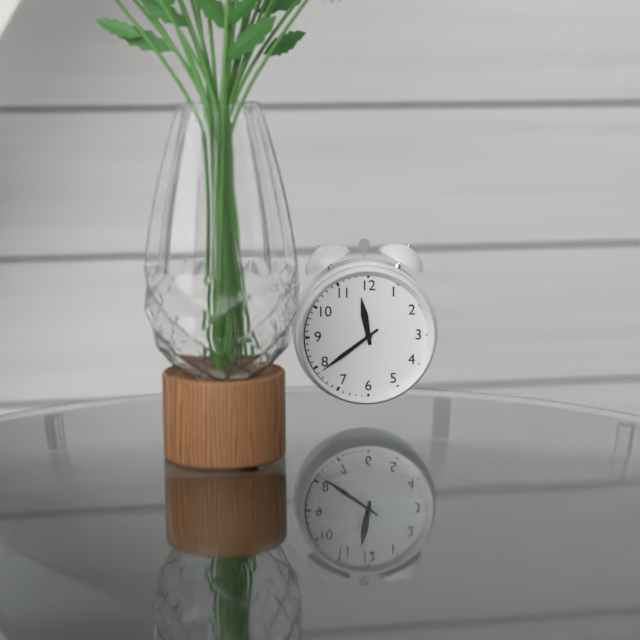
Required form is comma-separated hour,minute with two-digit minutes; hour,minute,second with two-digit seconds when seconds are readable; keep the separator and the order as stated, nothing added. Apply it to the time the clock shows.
11,39
